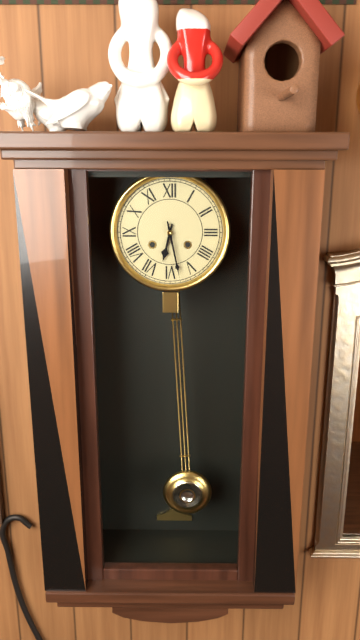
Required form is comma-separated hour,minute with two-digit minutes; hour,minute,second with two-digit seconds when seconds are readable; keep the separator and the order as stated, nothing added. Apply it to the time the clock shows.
6,28
